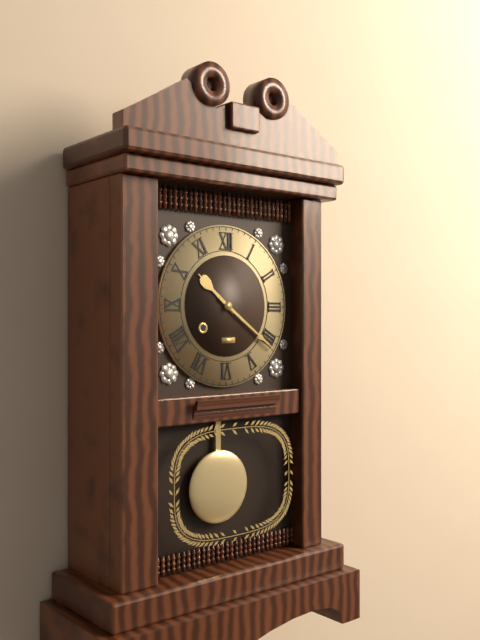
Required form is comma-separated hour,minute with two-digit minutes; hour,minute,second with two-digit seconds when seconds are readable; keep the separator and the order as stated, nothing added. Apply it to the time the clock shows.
10,21
